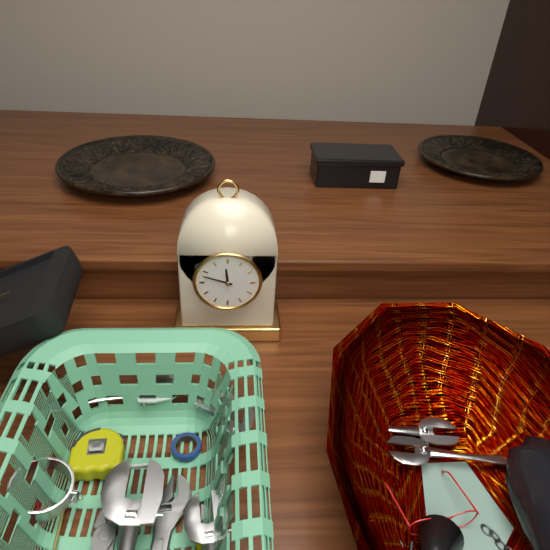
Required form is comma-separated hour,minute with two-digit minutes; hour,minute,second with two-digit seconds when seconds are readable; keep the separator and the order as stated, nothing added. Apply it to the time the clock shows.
11,48
